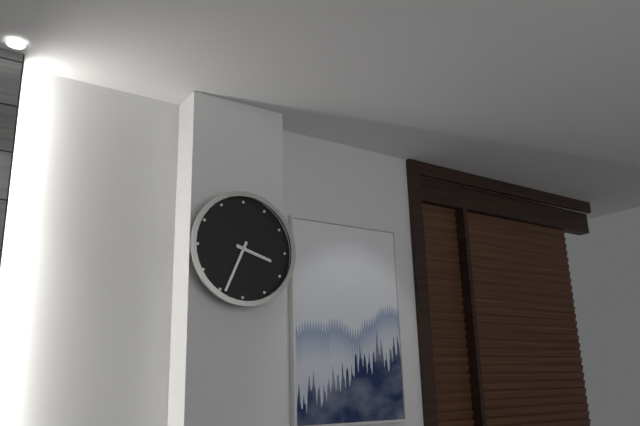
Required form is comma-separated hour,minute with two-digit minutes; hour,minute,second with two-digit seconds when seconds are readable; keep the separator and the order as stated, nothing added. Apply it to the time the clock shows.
3,34
